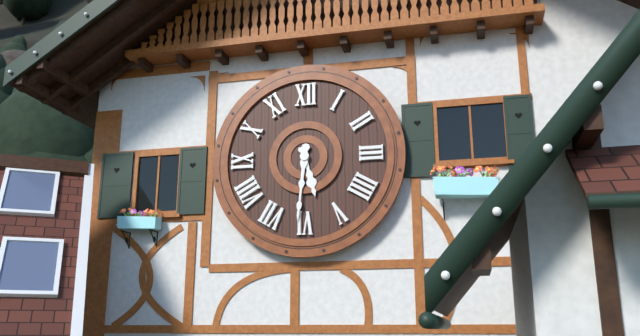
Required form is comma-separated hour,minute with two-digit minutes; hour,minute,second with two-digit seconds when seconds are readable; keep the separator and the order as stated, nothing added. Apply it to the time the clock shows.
5,31
